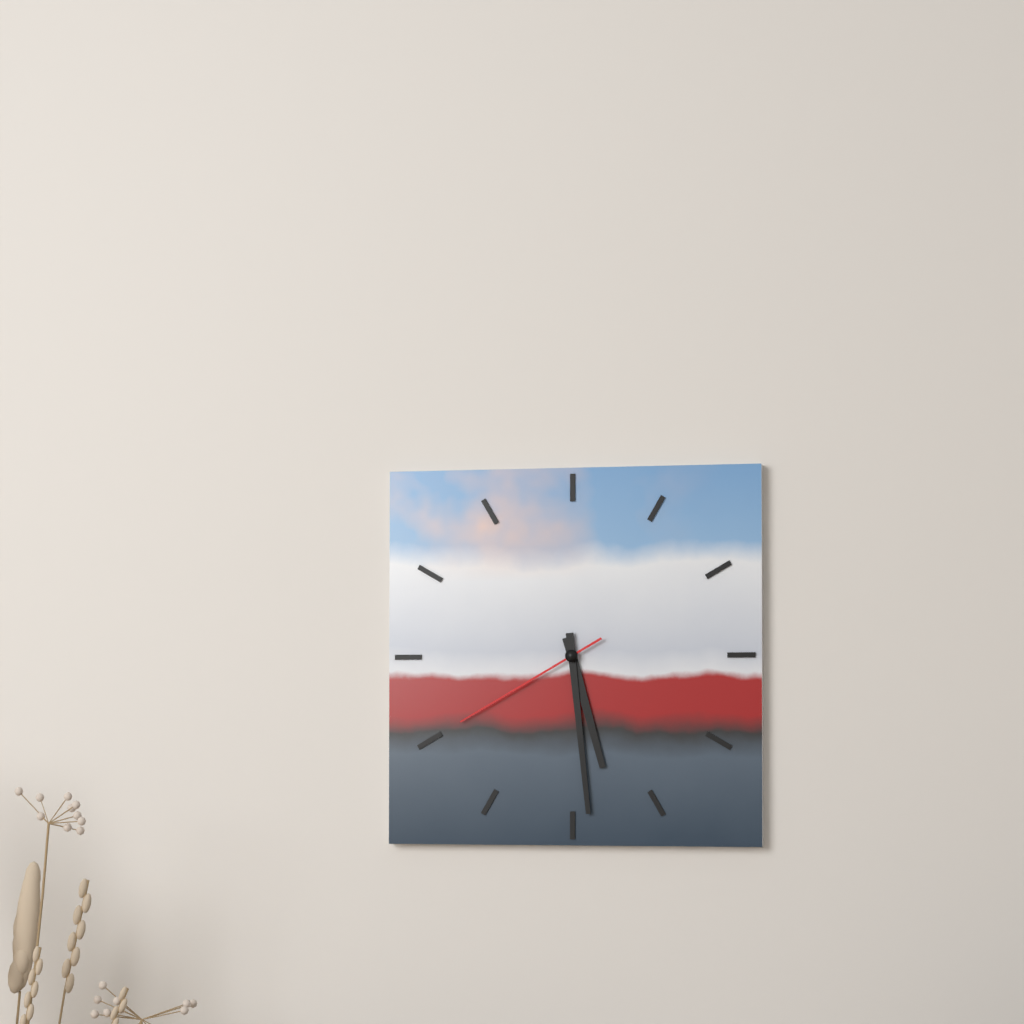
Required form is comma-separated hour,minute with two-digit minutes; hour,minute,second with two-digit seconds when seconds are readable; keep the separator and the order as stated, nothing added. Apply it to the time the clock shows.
5,29,40
